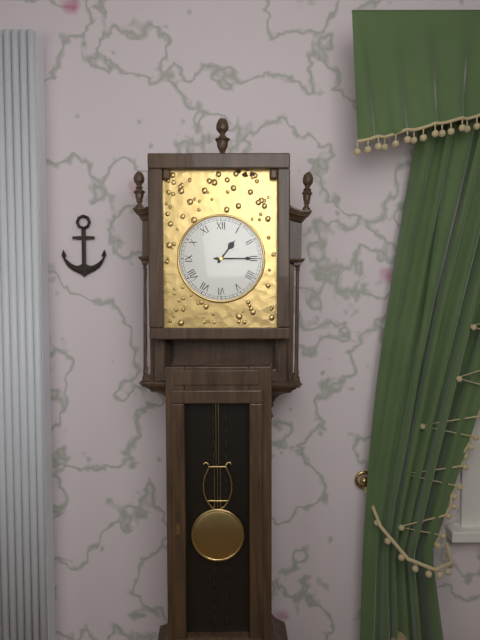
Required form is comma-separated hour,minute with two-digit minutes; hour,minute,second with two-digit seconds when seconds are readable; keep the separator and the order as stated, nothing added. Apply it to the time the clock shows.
1,15
